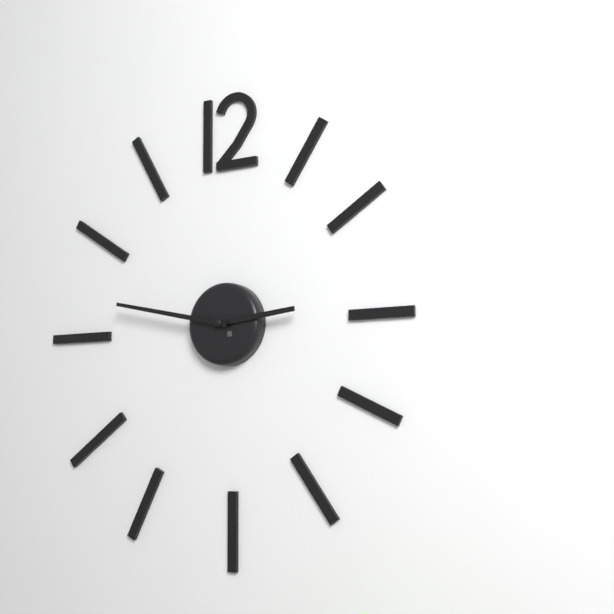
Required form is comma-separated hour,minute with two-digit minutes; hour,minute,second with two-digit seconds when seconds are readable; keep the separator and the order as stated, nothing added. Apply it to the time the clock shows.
2,47
